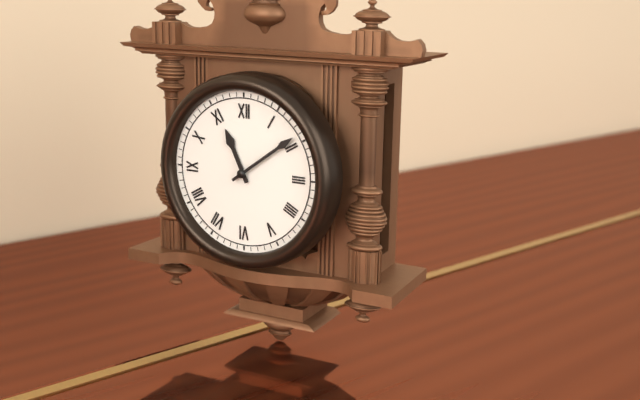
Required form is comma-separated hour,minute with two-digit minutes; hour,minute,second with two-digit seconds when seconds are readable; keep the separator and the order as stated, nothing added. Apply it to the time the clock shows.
11,09
